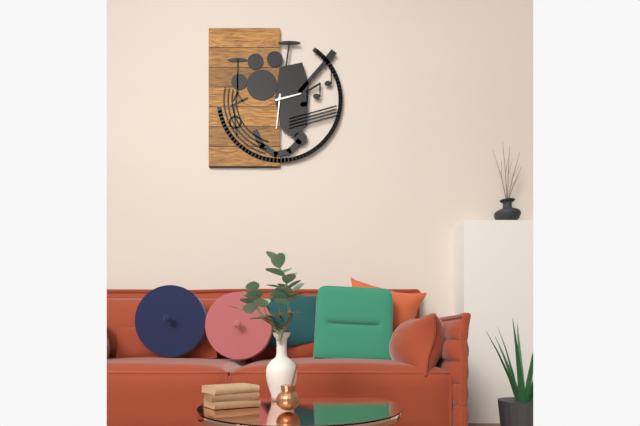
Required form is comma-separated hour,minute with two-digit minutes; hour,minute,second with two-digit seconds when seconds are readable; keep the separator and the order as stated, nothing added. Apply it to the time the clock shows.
2,31
